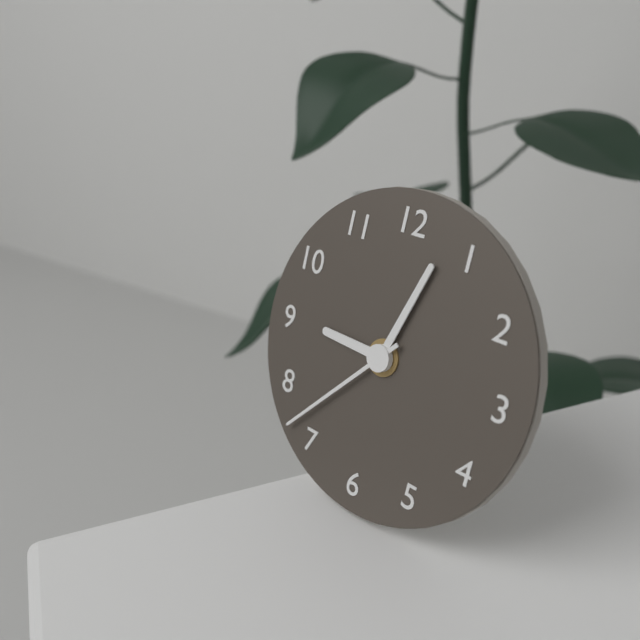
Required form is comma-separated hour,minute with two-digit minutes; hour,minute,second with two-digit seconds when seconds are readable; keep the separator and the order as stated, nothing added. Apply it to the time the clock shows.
9,03,37
